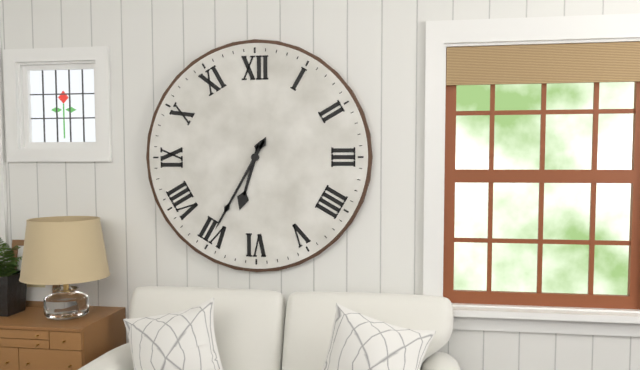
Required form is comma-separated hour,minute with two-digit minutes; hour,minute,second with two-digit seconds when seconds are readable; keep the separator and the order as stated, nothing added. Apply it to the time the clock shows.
6,35
